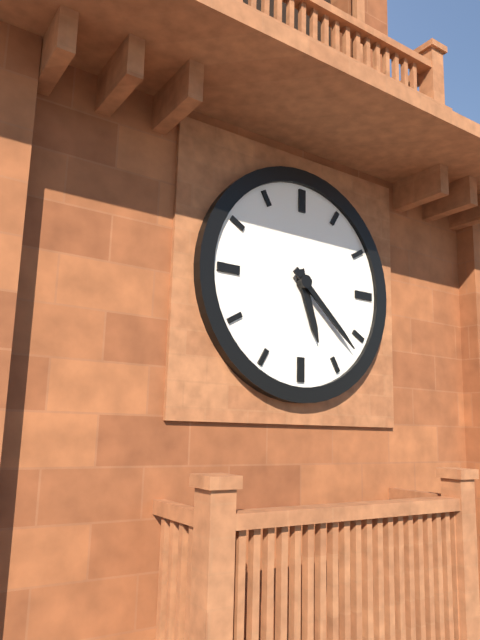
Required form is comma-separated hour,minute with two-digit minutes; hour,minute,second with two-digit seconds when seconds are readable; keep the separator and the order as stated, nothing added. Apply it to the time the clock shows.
5,22
